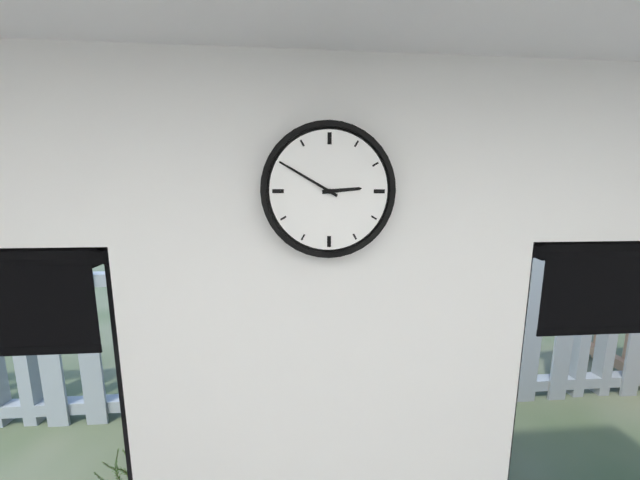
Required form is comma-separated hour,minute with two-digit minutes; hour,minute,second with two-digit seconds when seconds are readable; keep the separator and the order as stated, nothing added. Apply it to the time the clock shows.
2,50
